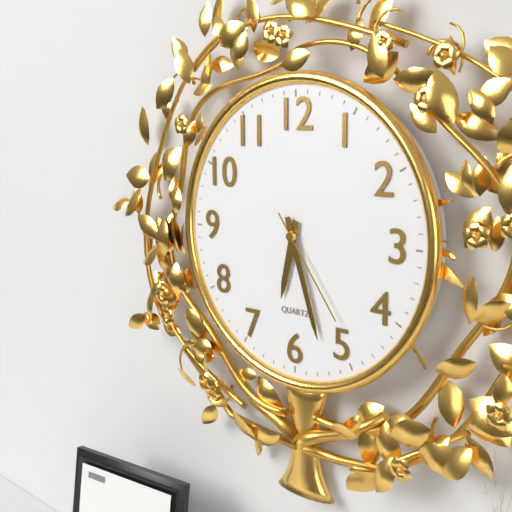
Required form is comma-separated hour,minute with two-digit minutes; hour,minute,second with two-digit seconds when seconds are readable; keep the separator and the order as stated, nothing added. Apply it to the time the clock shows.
6,27,24
